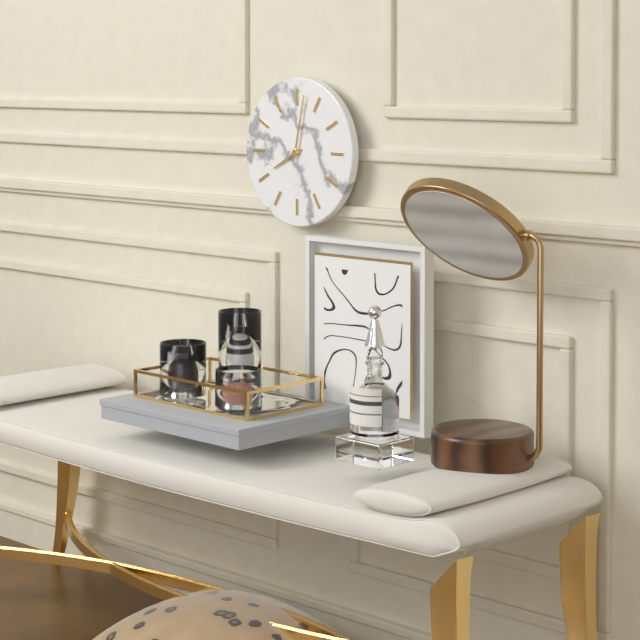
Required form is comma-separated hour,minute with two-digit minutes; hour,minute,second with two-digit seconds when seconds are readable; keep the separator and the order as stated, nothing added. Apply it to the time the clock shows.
8,02
